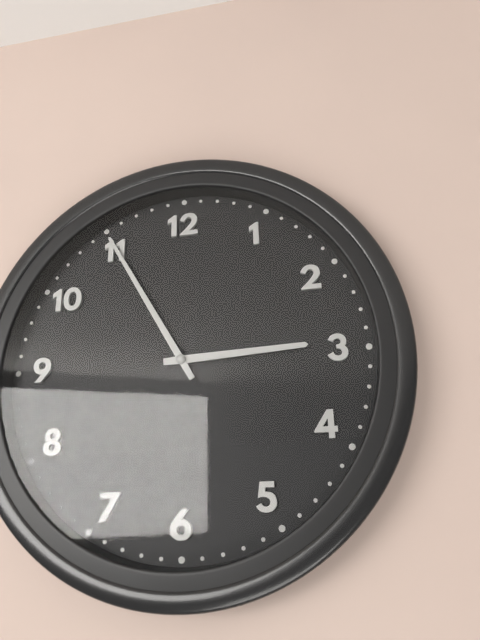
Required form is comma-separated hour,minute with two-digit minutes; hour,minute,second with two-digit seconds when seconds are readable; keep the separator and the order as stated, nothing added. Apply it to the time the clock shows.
2,55
